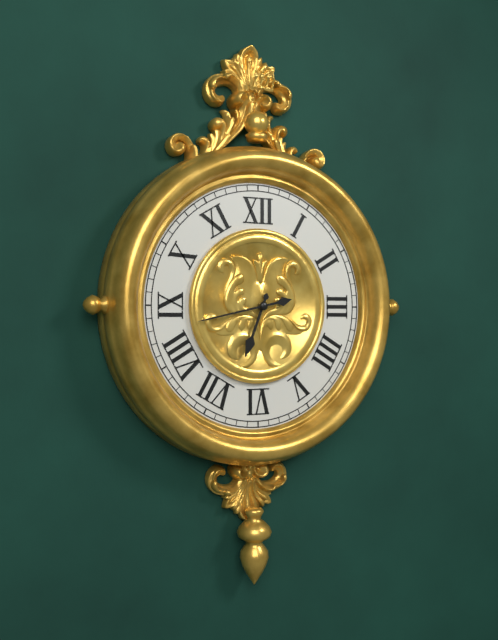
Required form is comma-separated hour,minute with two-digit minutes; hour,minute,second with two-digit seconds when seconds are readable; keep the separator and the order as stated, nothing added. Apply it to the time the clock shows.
6,43
